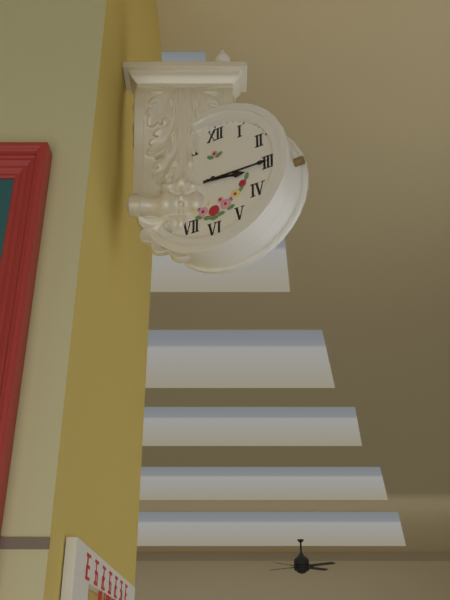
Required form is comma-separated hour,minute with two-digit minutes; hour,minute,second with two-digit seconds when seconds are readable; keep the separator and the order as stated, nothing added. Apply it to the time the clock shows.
3,15
